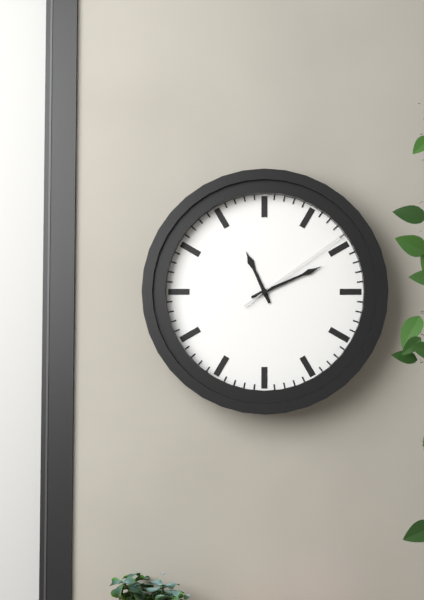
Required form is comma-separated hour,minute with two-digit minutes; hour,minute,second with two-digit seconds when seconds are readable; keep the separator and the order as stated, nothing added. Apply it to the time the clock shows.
11,11,09
